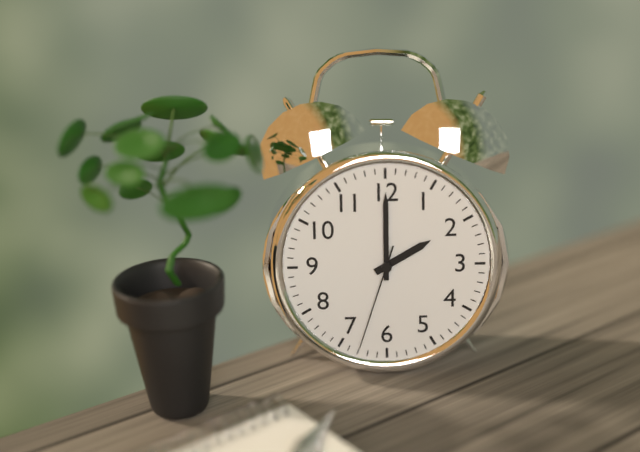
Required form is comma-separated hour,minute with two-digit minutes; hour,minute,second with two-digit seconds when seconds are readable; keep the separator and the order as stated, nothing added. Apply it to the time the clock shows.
2,00,33
